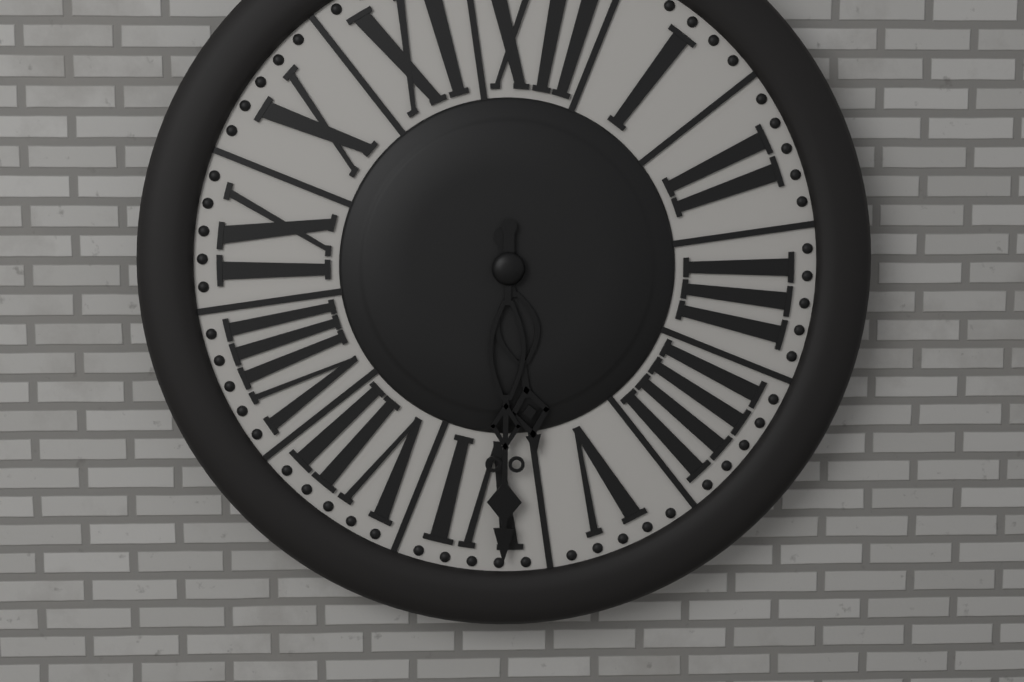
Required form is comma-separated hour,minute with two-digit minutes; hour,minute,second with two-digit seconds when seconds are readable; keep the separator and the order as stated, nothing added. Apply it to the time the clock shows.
5,29
